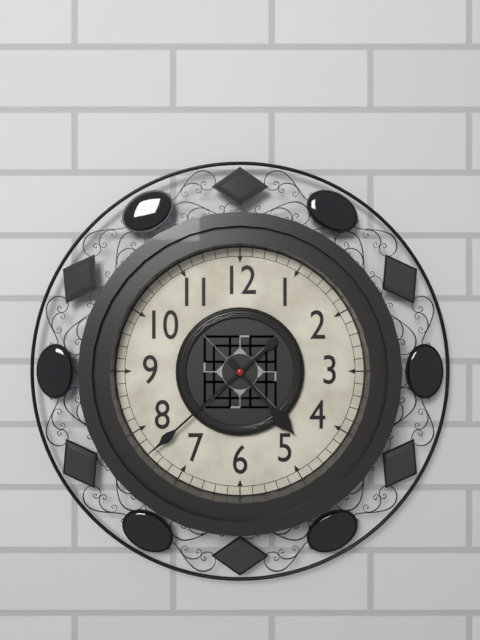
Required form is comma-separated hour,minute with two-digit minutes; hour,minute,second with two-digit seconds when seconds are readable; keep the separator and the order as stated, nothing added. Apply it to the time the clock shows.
4,38
